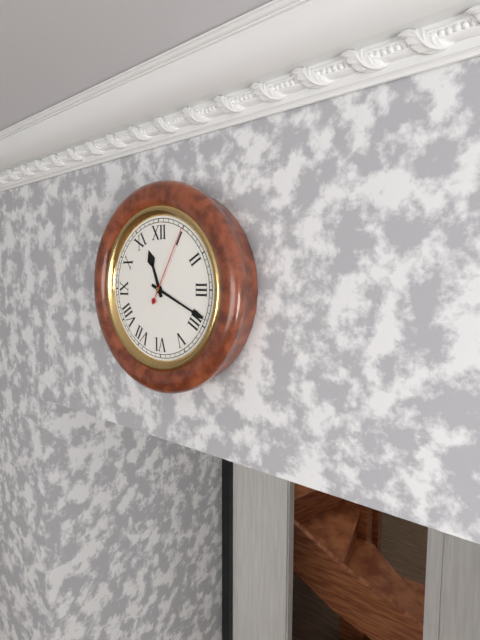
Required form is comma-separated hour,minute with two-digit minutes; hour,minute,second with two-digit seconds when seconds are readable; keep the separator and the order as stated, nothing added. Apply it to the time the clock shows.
11,19,05
